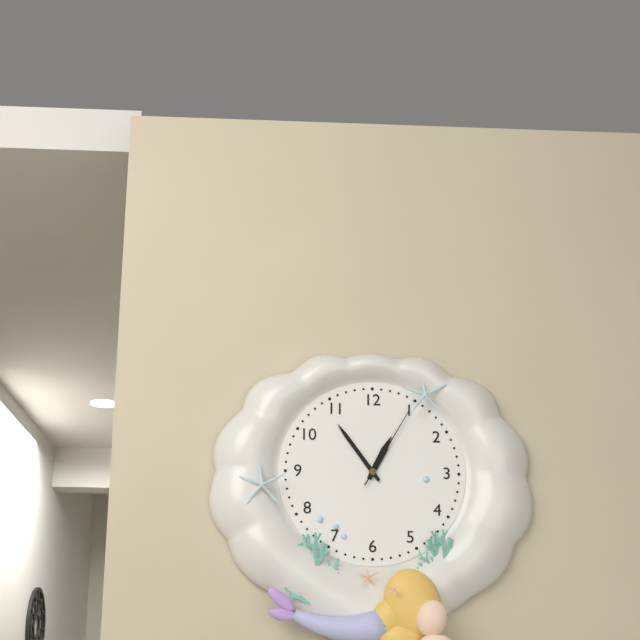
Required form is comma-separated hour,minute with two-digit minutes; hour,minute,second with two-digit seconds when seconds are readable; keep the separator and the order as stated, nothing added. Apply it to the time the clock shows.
12,54,05
